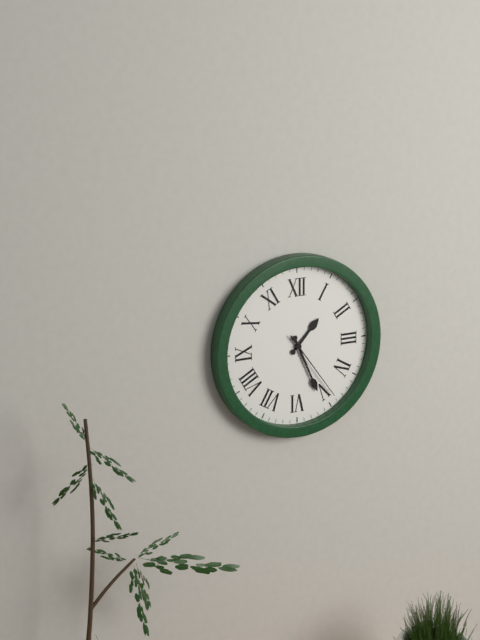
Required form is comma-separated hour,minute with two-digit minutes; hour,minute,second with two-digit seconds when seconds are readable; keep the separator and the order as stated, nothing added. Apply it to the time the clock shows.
1,26,24
